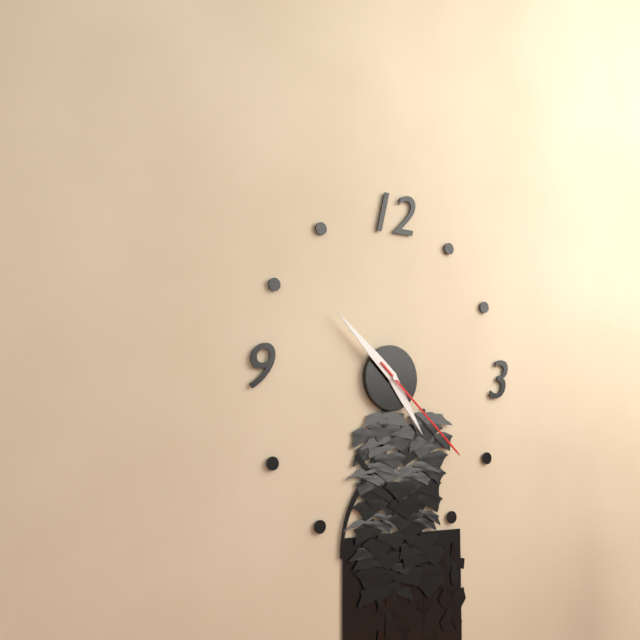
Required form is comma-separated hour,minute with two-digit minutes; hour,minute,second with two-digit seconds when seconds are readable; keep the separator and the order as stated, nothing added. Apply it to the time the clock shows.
4,52,22
